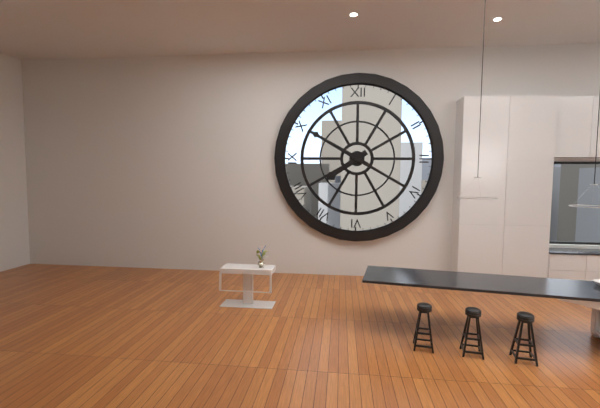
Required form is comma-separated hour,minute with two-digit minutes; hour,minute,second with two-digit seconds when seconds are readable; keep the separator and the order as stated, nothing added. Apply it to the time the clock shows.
7,50
